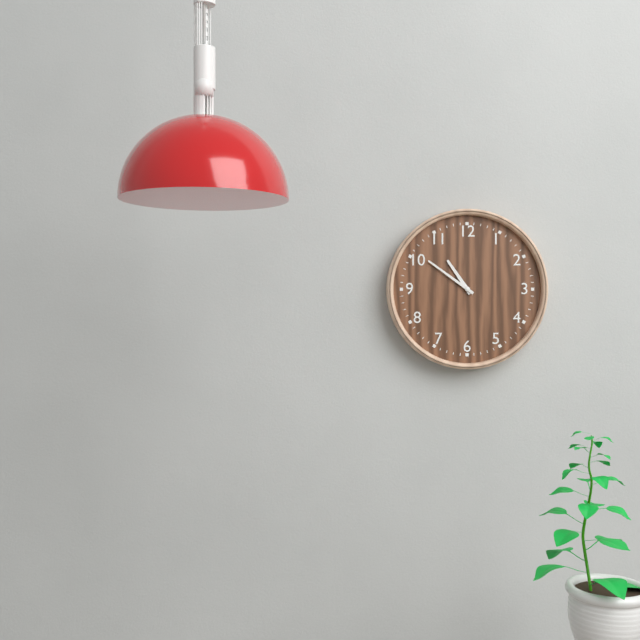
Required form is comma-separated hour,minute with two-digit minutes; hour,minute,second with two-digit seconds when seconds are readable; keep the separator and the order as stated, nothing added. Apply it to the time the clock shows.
10,51
